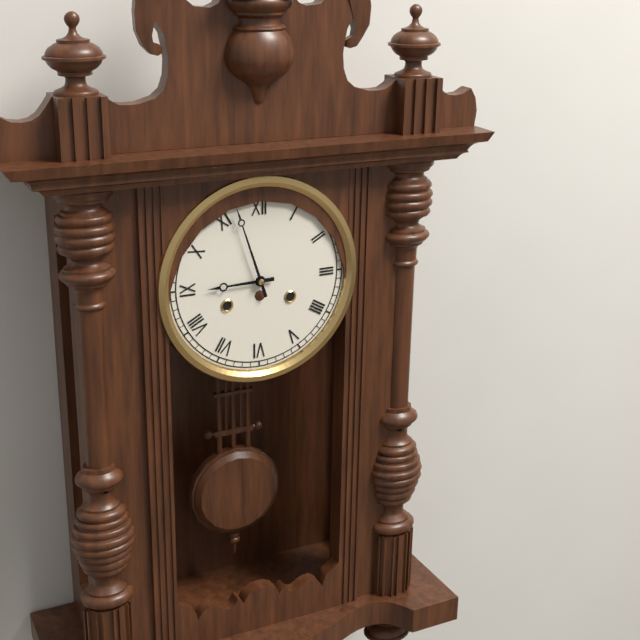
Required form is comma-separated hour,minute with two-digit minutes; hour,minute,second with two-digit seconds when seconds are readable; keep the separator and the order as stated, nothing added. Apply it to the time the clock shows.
8,57
